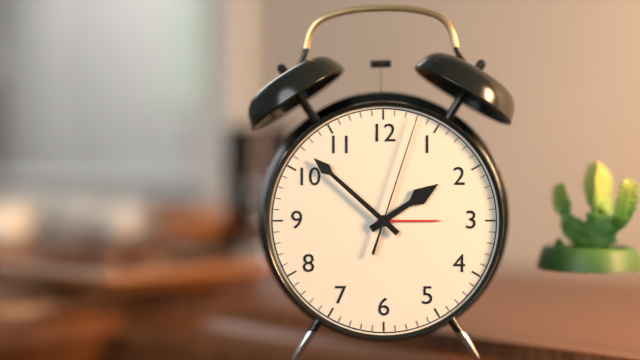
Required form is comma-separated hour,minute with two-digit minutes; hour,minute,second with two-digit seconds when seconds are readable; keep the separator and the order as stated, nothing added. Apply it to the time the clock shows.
1,52,03
